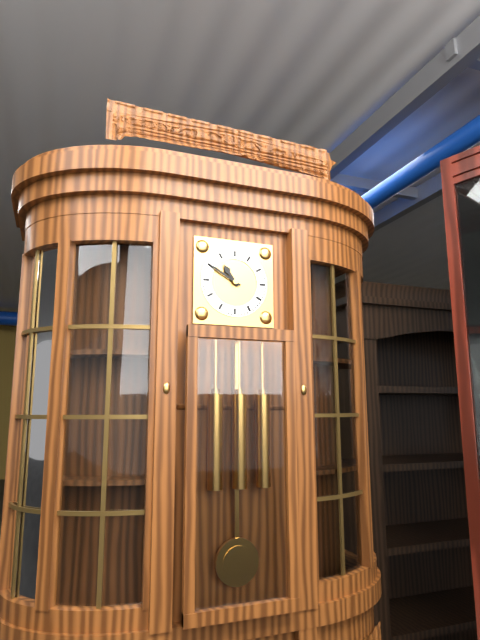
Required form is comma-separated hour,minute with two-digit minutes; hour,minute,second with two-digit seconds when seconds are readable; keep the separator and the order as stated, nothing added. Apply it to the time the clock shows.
10,50
